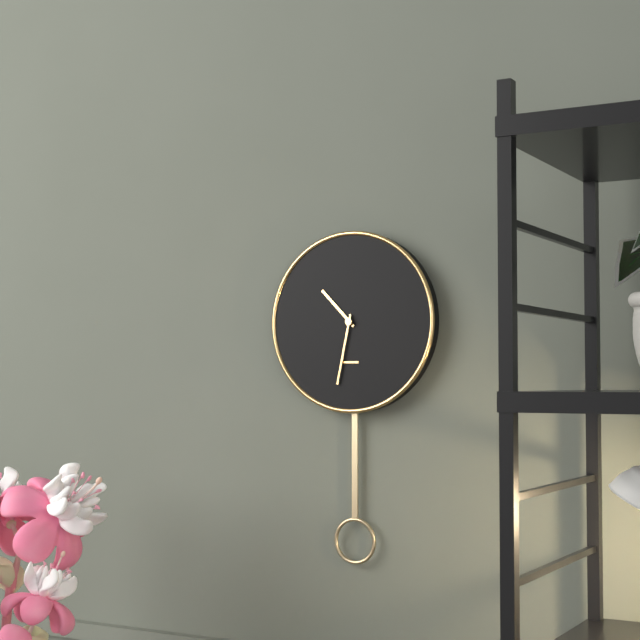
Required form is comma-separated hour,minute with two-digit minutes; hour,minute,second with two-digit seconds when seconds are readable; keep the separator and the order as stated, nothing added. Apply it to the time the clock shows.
10,32
